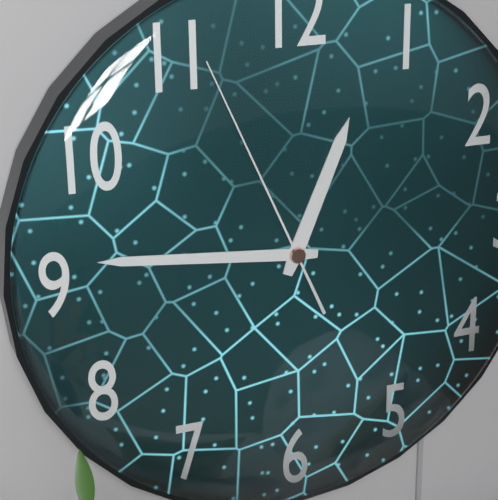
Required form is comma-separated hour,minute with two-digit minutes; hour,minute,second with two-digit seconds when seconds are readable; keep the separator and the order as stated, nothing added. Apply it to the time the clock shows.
12,46,56
